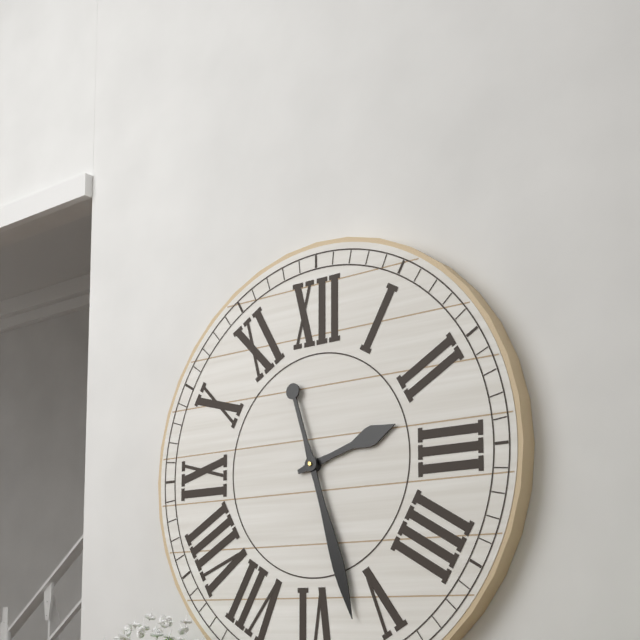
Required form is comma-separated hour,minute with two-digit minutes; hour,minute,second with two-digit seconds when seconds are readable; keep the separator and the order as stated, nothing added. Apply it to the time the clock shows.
2,27
